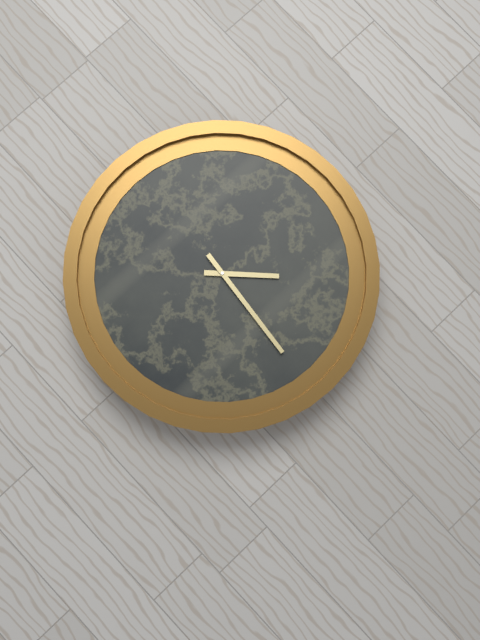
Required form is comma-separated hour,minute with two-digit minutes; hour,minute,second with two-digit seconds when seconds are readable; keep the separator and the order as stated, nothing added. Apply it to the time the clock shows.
4,31
